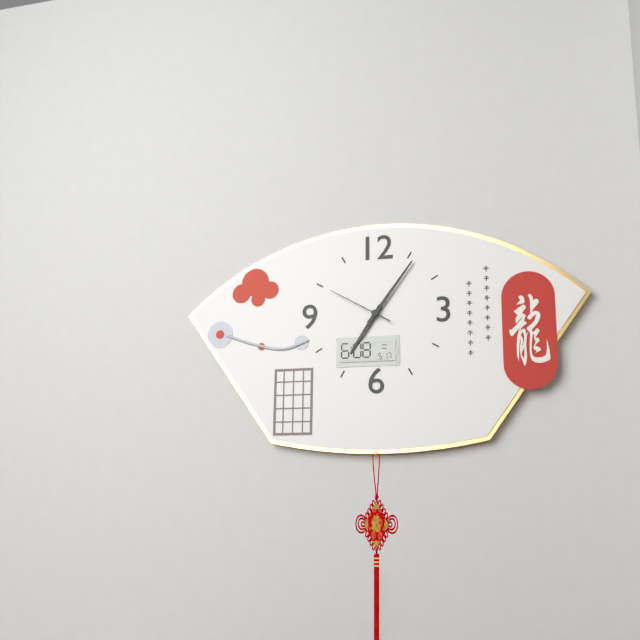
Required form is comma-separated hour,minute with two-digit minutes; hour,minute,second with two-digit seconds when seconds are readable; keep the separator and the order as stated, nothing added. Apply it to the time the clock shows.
7,06,50
